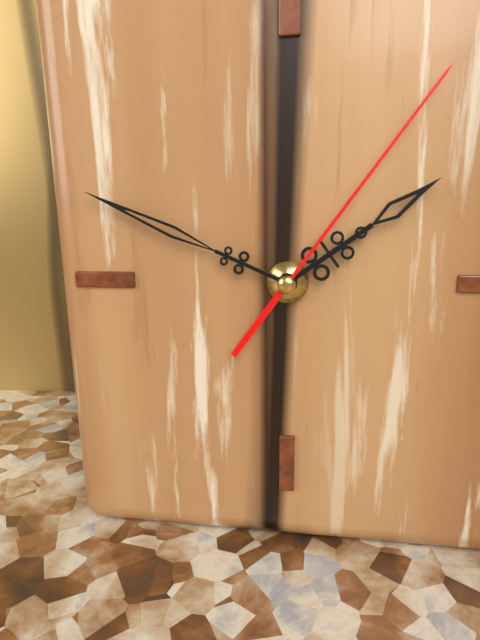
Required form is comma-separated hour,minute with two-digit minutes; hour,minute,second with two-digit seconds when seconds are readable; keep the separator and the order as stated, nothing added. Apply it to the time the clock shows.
1,49,06
